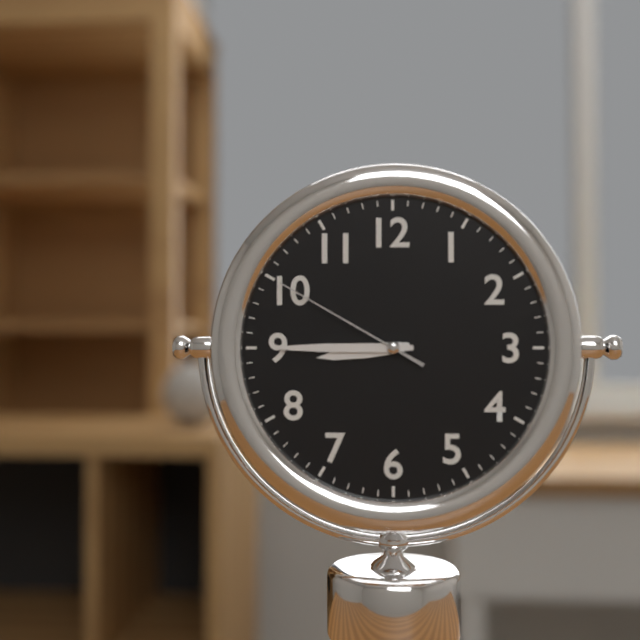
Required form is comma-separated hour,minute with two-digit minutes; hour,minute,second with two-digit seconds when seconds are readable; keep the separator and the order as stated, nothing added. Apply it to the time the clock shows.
8,45,50
